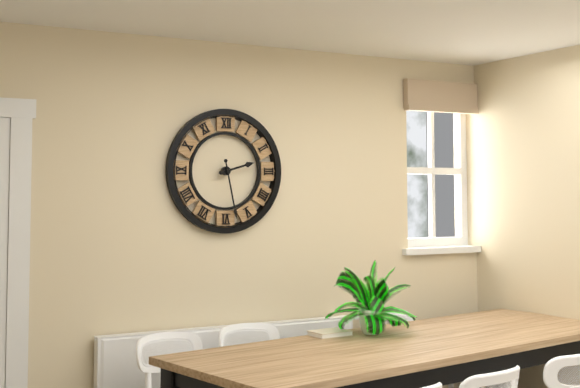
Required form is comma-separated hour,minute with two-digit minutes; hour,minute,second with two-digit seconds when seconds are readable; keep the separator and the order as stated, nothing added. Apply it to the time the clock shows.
2,28
